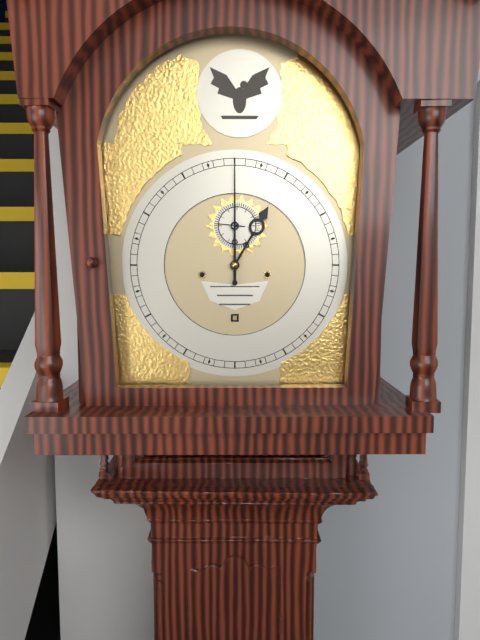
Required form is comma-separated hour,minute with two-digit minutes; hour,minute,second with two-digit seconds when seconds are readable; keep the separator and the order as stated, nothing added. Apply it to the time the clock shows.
1,00
